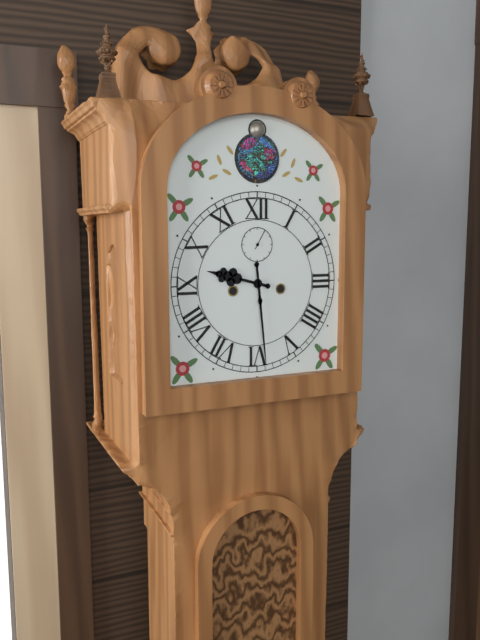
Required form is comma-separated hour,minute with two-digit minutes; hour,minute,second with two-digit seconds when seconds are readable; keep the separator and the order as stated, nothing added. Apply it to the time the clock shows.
9,29
